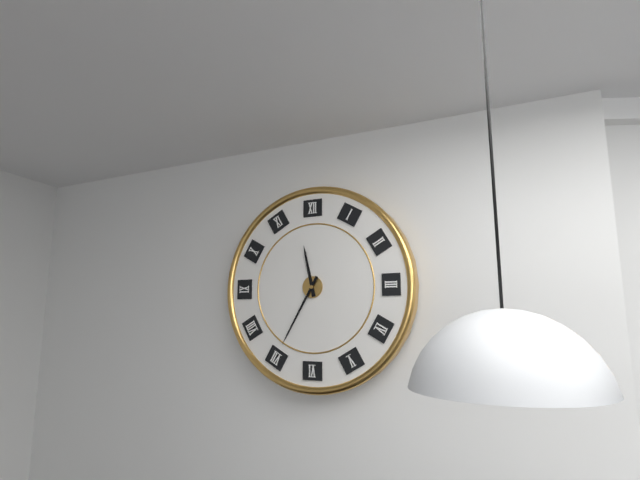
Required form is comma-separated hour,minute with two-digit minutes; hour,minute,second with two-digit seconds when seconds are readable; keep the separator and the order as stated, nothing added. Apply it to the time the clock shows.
11,35
